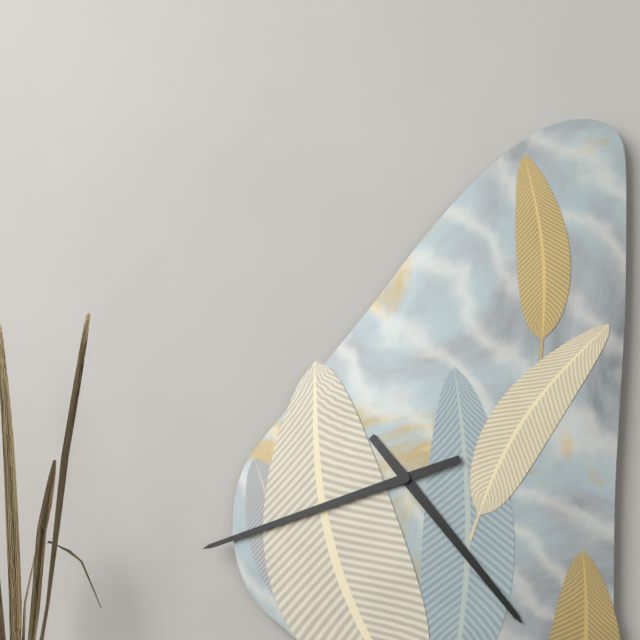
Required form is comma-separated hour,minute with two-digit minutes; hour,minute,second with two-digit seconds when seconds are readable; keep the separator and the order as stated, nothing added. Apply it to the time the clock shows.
4,42
